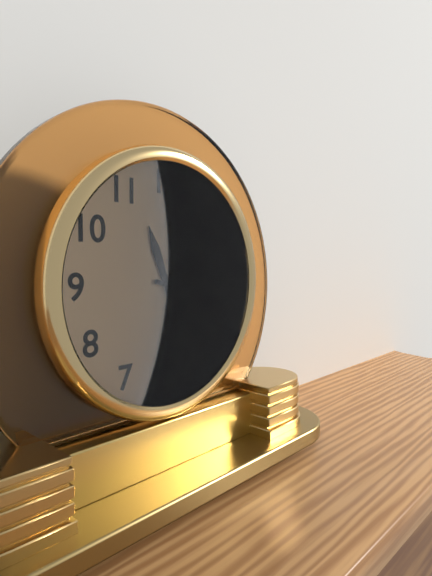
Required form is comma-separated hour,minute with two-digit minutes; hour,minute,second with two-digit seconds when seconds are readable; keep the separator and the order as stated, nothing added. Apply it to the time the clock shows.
11,17
